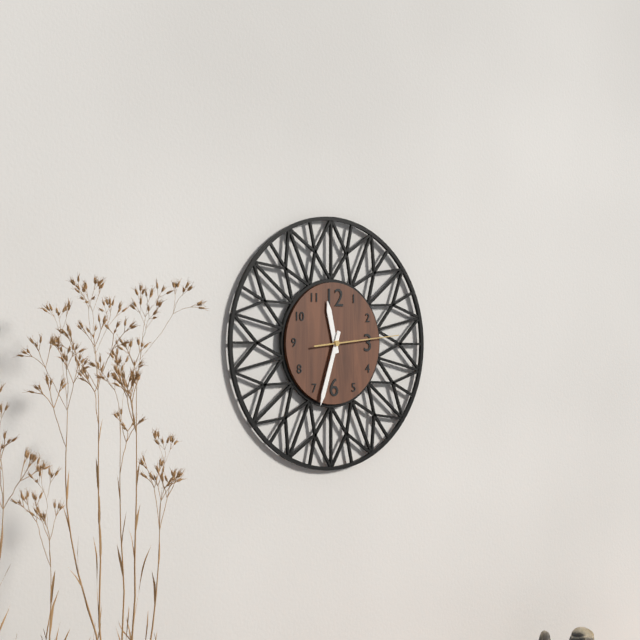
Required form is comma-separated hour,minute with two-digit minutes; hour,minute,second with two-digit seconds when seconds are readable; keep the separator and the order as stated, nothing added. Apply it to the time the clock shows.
11,33,14
